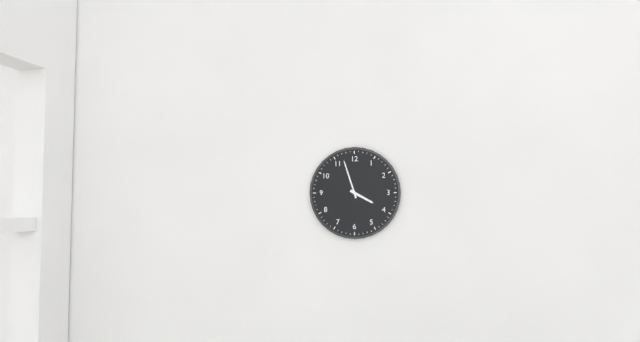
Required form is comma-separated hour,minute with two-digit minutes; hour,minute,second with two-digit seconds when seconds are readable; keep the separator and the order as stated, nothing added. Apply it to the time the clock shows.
3,57
